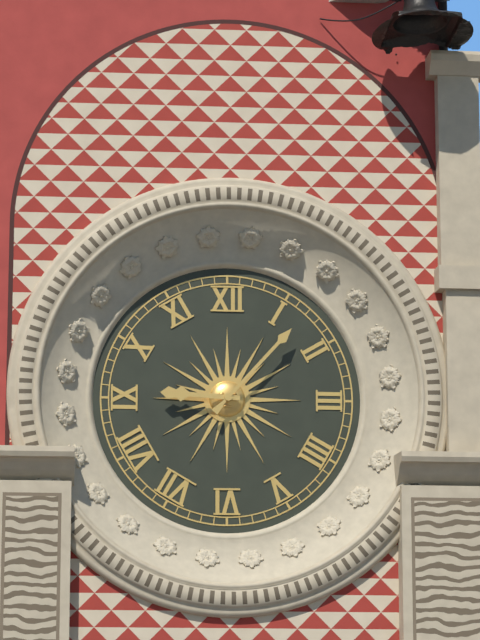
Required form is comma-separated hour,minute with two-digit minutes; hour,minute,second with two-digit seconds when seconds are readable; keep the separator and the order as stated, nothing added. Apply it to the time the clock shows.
9,07
